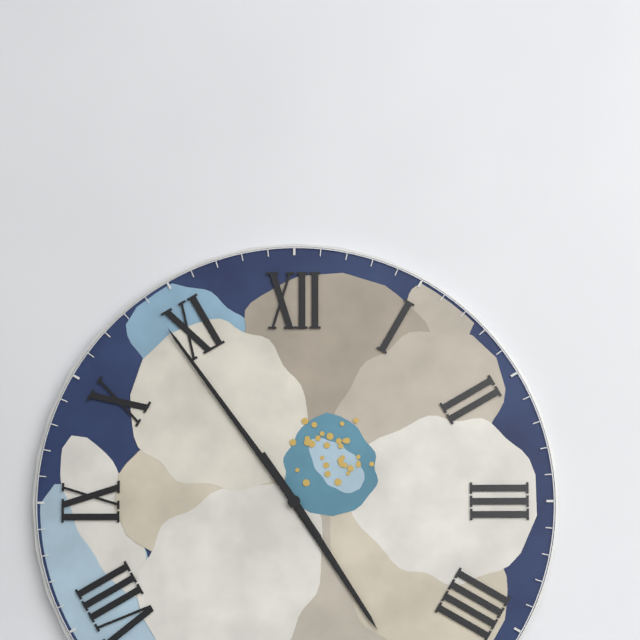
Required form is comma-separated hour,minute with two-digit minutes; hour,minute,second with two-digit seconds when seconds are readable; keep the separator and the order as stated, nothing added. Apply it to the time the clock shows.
4,54
